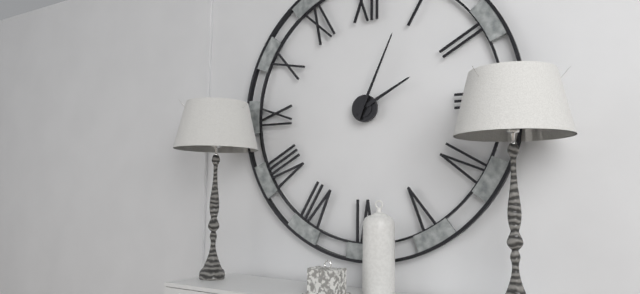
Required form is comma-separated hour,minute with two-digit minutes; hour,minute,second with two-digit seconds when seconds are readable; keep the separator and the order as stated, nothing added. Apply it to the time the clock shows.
2,04
